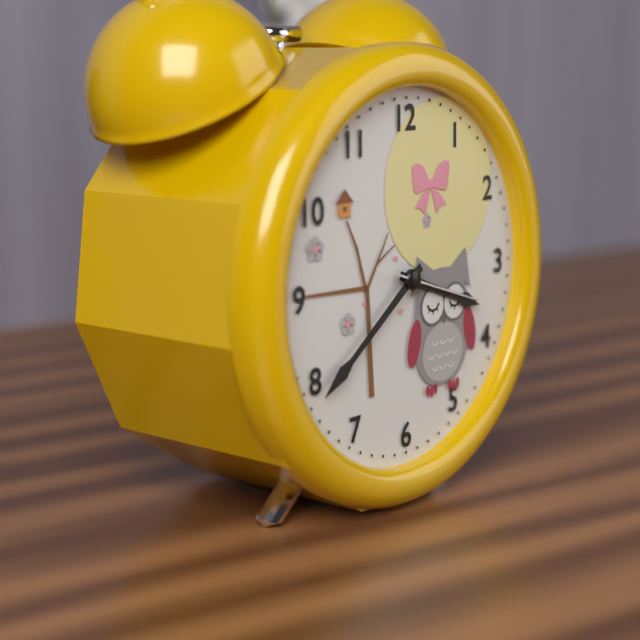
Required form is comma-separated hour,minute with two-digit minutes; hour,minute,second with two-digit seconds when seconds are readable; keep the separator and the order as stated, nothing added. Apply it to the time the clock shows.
3,39,18
